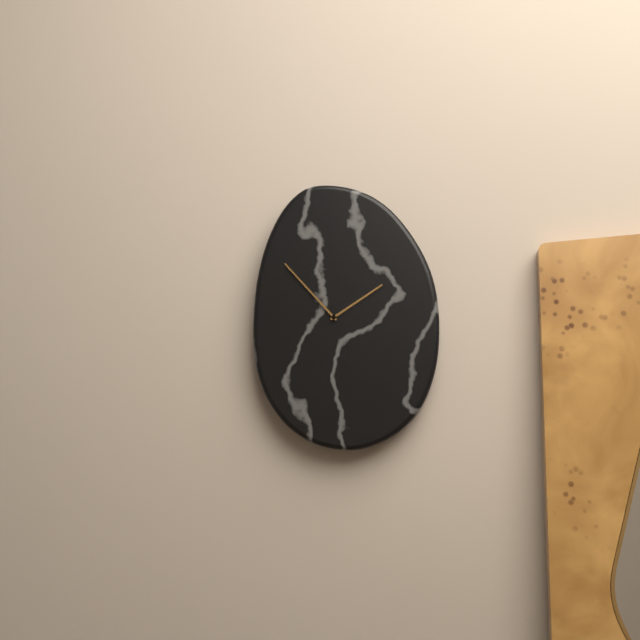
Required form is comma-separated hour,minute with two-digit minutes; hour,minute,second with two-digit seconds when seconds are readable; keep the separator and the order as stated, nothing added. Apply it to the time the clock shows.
1,53
